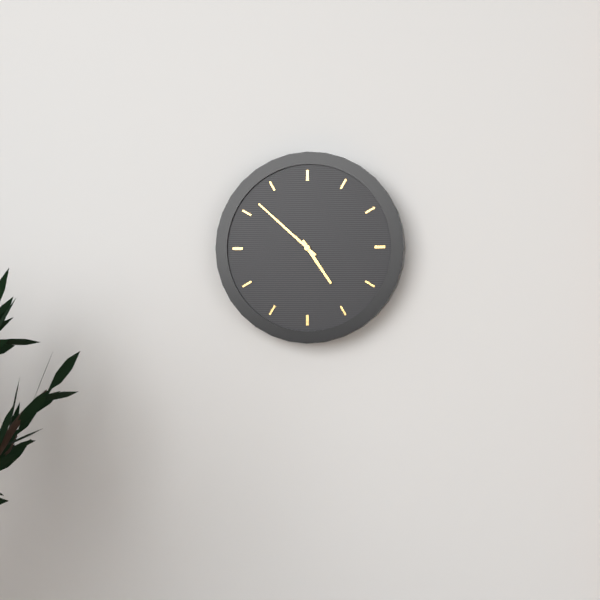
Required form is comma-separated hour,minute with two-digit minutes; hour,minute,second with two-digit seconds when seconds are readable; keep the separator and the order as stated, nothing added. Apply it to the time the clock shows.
4,52
